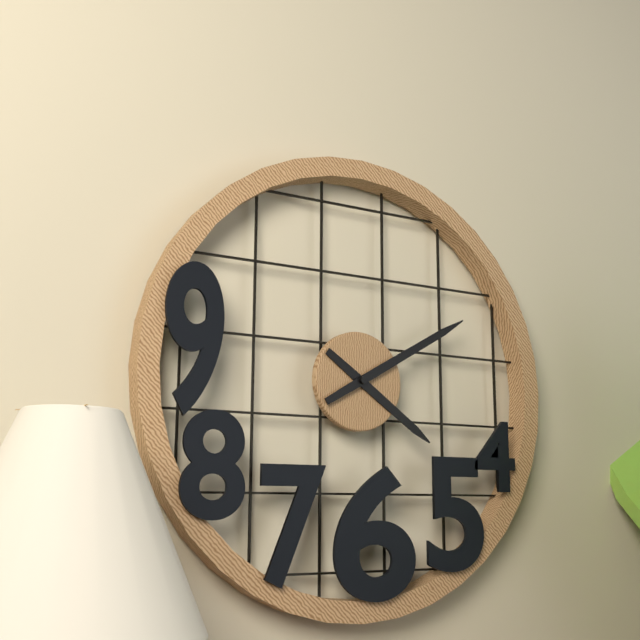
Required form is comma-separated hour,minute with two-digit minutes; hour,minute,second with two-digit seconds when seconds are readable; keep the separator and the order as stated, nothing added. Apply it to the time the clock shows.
4,10
